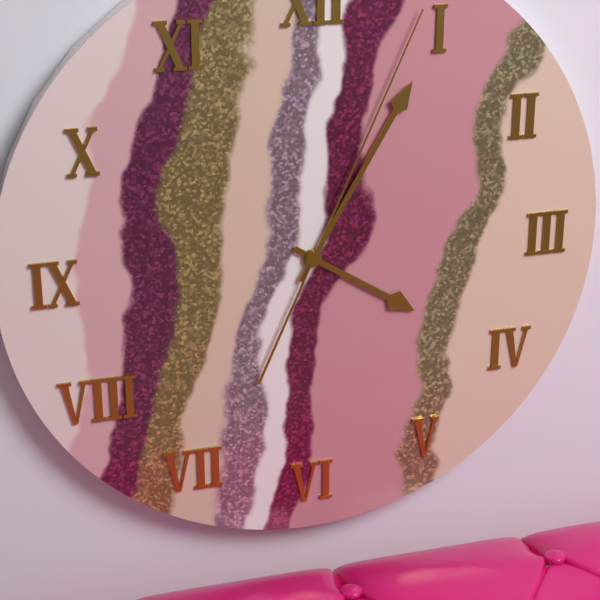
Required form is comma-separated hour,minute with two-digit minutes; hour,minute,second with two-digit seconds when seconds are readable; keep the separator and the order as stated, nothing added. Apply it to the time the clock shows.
4,05,04
